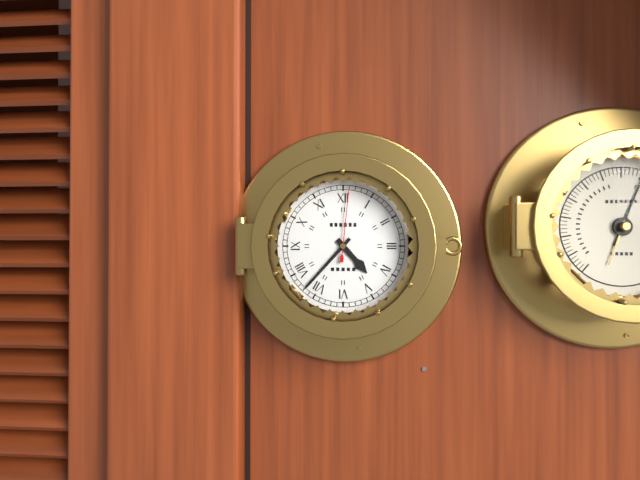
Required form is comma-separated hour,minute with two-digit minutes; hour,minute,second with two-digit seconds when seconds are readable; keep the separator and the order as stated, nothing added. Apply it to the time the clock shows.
4,37,01
